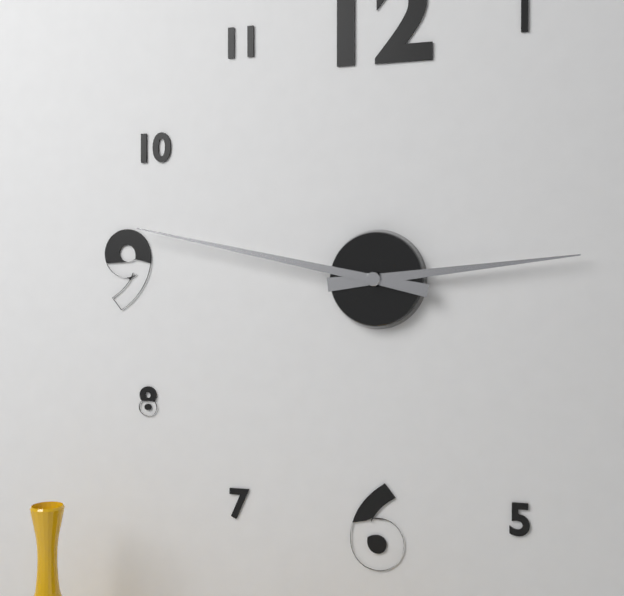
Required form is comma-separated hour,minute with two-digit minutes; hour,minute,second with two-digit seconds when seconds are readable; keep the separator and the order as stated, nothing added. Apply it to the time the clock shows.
2,47
